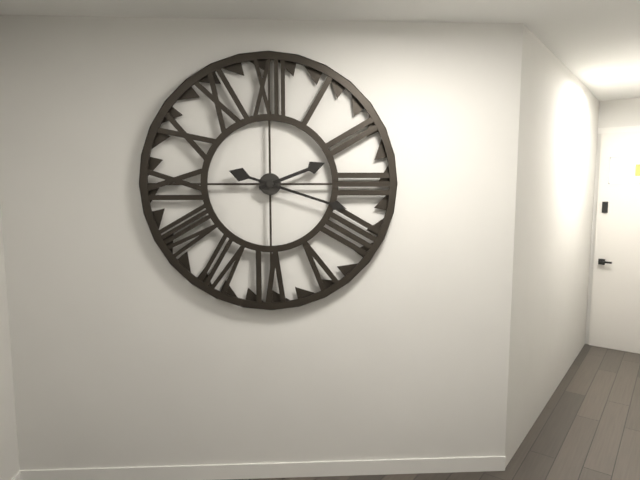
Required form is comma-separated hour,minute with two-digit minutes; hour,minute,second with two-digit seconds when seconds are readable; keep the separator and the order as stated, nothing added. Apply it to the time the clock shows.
2,18
